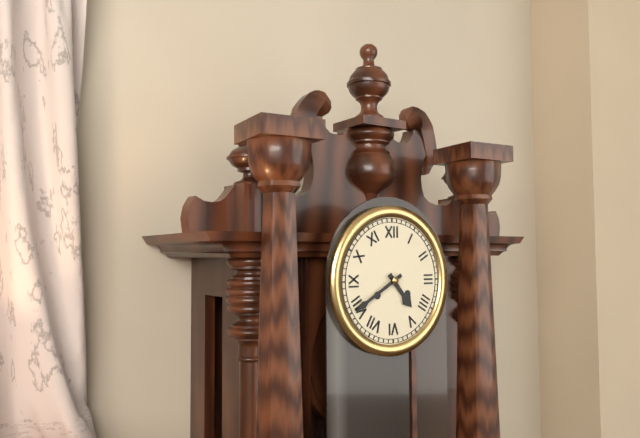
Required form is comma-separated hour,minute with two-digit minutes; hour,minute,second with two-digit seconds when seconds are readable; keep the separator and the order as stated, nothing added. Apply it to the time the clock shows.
4,40
